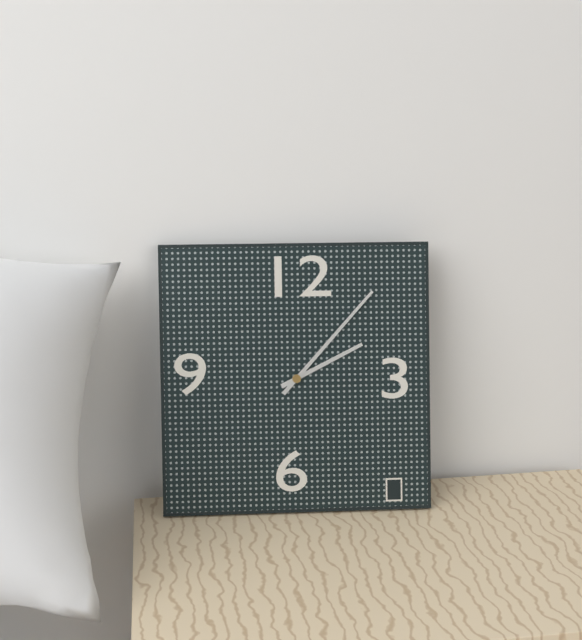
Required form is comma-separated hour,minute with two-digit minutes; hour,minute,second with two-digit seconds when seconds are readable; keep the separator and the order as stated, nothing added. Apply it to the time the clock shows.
2,07
